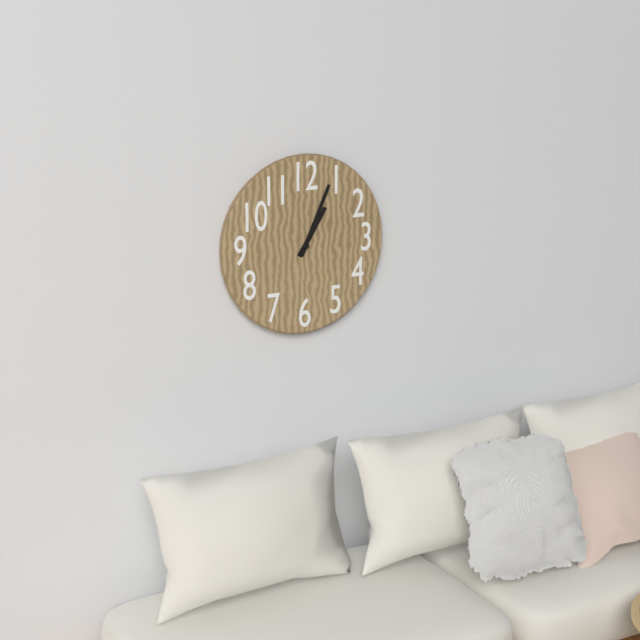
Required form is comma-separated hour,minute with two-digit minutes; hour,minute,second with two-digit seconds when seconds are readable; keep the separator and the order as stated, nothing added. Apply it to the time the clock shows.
1,04
